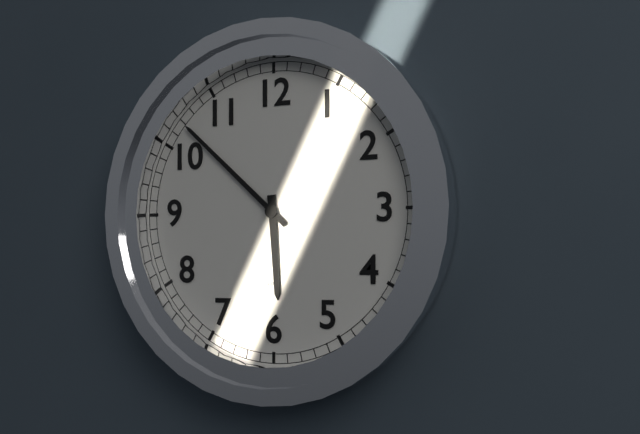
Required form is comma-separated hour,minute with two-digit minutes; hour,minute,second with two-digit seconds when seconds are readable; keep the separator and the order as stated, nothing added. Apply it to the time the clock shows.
5,52
